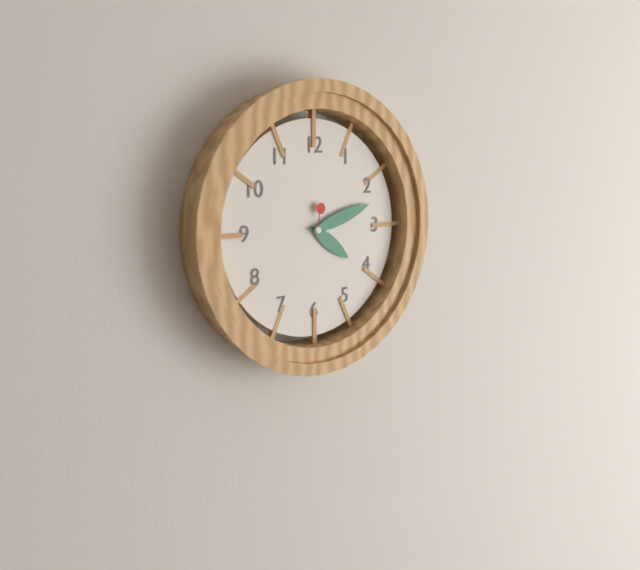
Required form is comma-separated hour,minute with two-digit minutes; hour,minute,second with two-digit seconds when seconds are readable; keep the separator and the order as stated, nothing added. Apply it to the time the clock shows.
4,12
